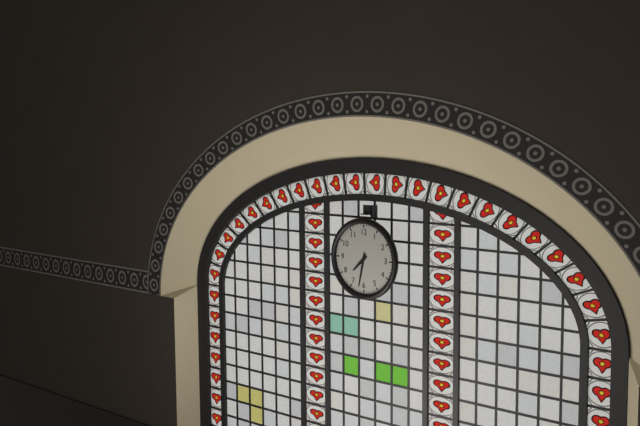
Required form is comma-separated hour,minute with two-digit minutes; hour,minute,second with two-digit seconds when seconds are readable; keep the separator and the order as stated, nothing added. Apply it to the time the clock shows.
7,32
